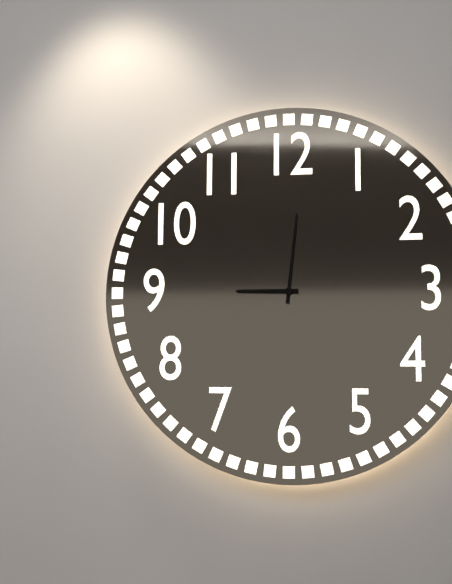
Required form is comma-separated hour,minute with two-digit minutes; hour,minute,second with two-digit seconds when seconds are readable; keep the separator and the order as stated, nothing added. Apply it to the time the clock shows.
9,01
